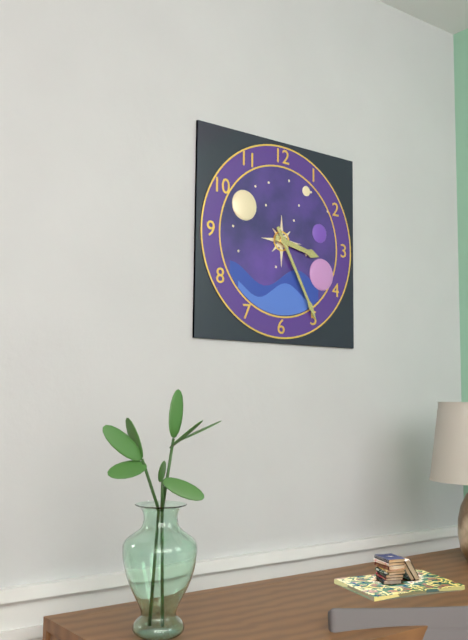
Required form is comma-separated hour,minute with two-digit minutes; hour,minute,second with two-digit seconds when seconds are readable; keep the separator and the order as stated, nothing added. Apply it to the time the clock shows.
3,25
